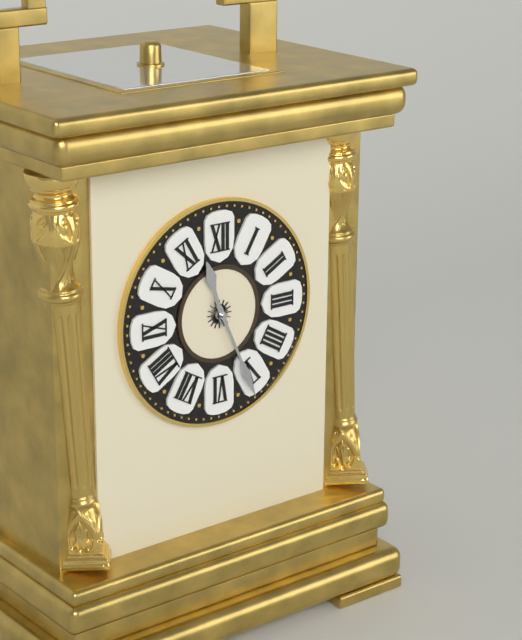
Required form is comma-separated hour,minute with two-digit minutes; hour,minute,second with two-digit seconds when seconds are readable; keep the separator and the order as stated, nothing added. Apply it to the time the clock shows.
11,26
